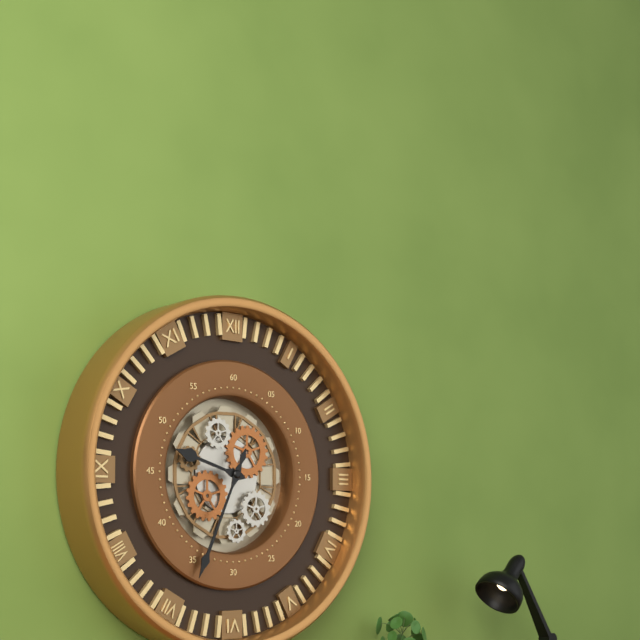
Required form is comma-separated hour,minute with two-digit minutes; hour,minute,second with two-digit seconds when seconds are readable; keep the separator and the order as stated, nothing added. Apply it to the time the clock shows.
9,34
